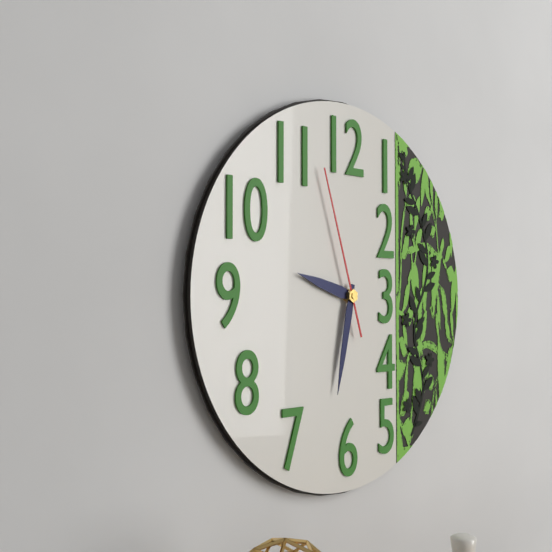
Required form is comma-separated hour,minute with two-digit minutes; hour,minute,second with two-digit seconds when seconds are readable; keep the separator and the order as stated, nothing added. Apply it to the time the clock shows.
9,32,57
